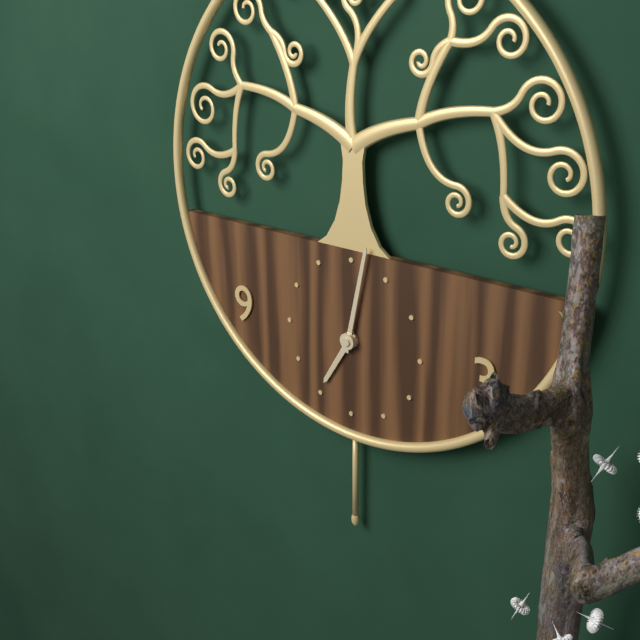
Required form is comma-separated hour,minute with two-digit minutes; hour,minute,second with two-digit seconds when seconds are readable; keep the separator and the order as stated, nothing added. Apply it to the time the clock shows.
7,02
